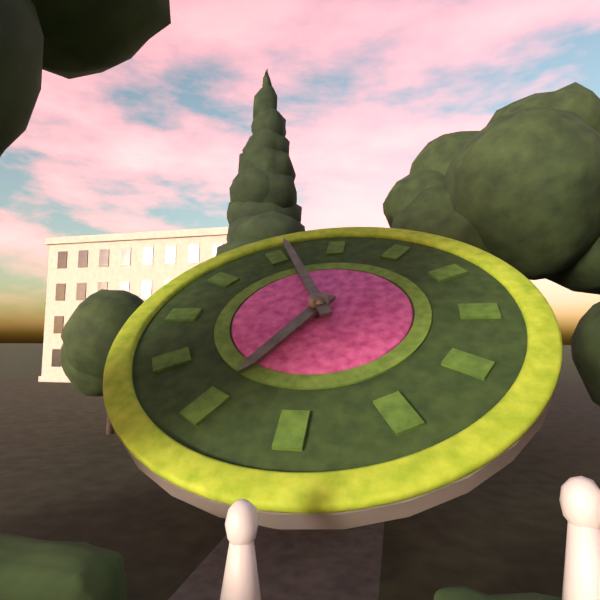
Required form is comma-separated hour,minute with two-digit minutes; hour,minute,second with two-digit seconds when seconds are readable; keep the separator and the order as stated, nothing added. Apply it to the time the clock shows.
6,56
